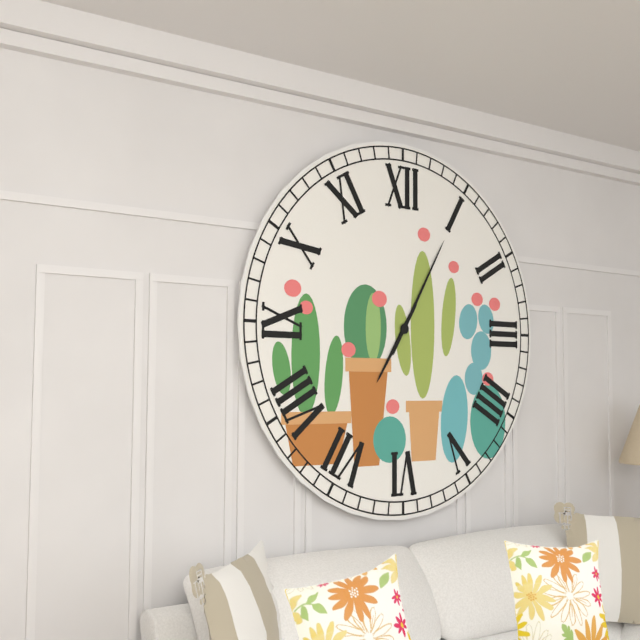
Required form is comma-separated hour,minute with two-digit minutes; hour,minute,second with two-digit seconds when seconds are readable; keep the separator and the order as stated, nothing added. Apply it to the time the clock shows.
7,05
